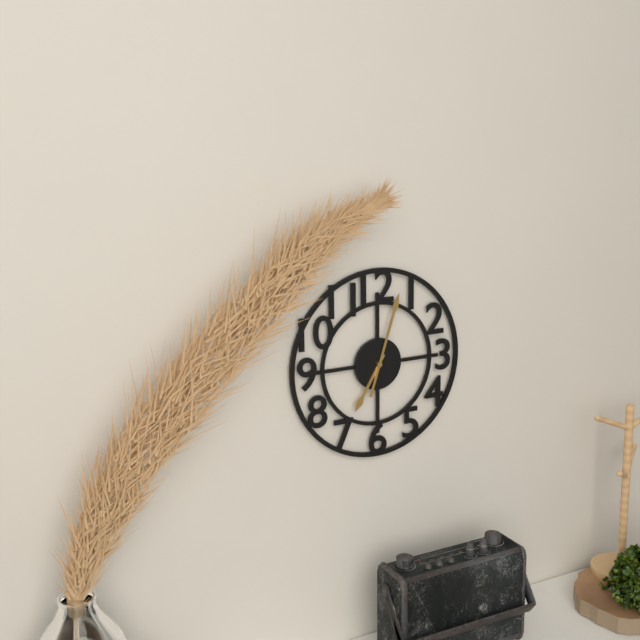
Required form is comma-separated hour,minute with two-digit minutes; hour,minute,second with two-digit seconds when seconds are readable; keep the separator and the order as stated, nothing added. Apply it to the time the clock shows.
7,03
